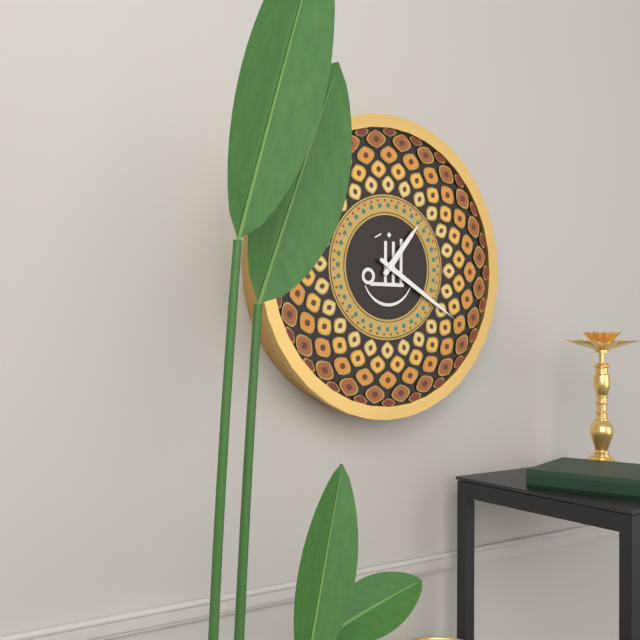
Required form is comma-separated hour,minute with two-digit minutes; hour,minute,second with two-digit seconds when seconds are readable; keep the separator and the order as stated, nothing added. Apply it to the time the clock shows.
1,20
